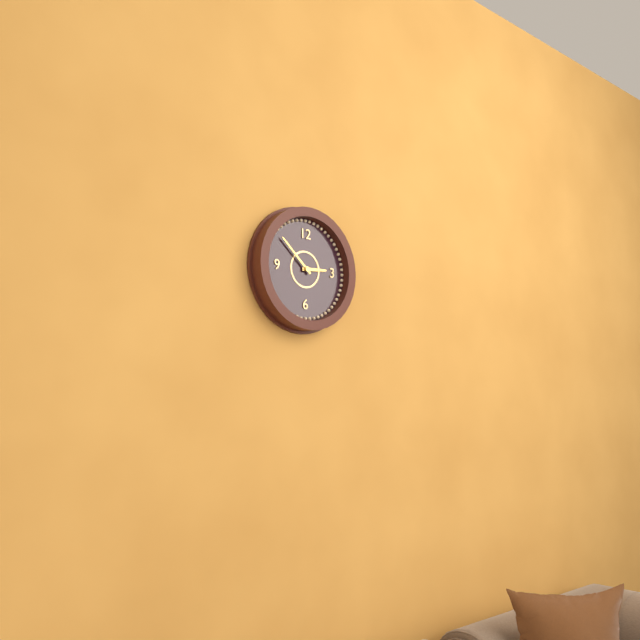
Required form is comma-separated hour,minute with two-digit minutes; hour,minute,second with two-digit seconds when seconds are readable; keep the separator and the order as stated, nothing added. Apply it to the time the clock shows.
2,52
